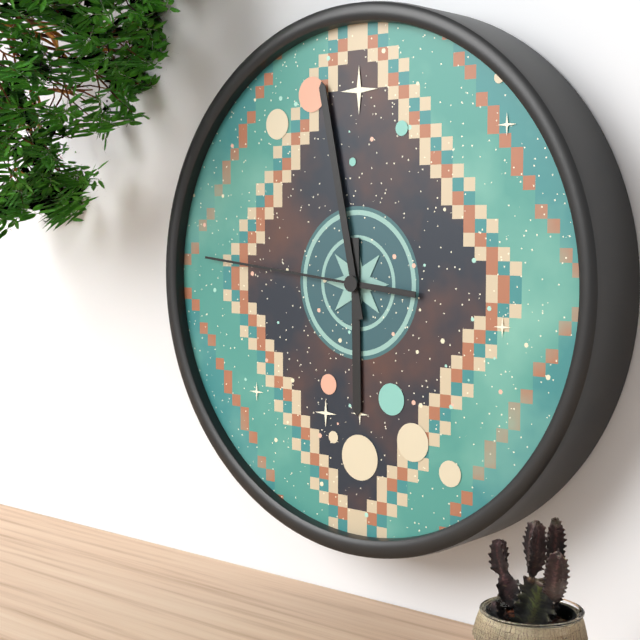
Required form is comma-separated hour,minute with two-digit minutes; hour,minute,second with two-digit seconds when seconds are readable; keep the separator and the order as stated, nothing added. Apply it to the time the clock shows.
5,58,46
